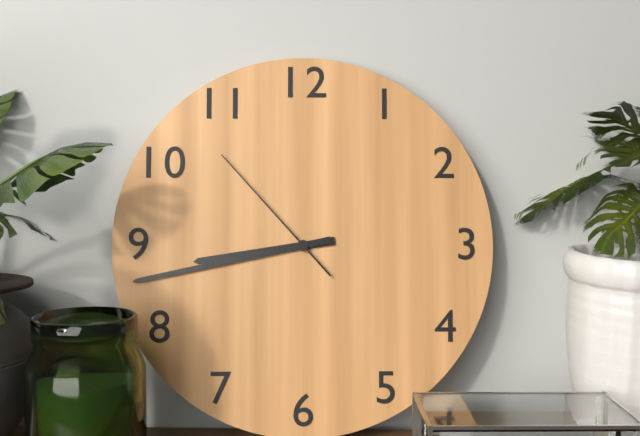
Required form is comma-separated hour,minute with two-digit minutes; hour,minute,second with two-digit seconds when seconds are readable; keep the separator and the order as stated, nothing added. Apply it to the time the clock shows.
8,43,53
